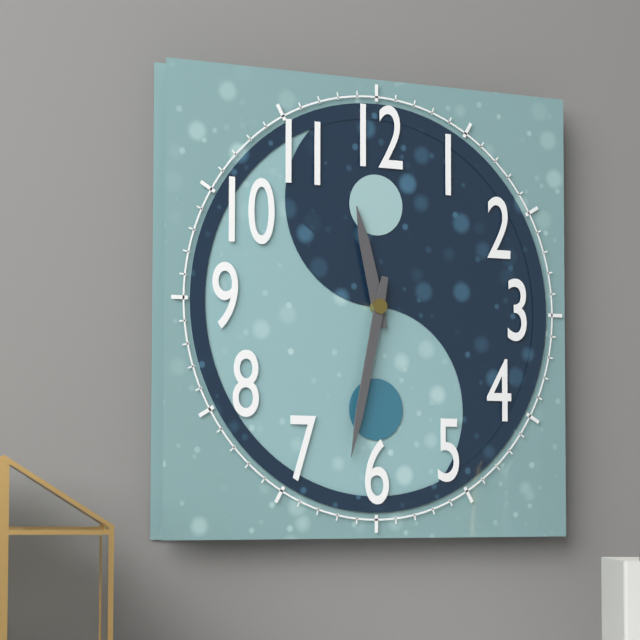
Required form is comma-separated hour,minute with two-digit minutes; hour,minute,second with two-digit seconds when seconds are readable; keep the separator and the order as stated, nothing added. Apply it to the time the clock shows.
11,32
